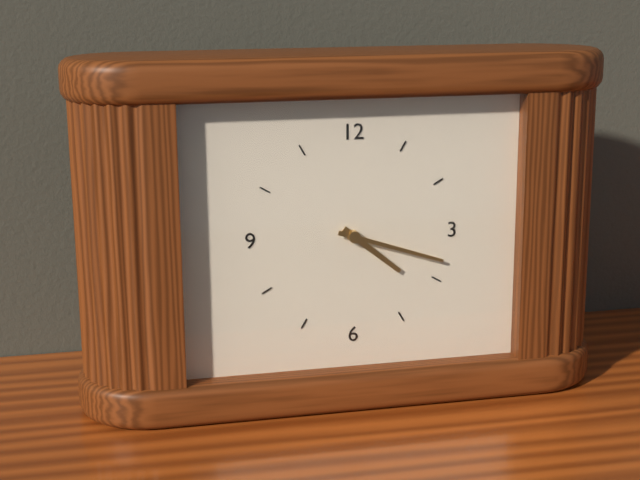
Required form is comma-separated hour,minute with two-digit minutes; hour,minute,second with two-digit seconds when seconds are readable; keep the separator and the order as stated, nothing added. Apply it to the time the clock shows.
4,18
